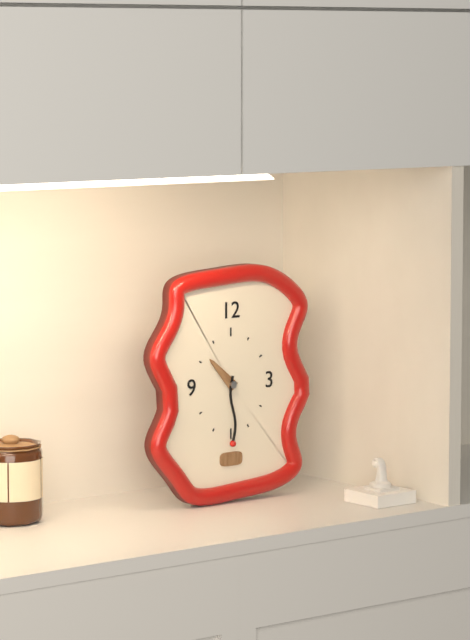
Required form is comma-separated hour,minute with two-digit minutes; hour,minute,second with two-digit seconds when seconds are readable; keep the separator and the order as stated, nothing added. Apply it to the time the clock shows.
10,30
